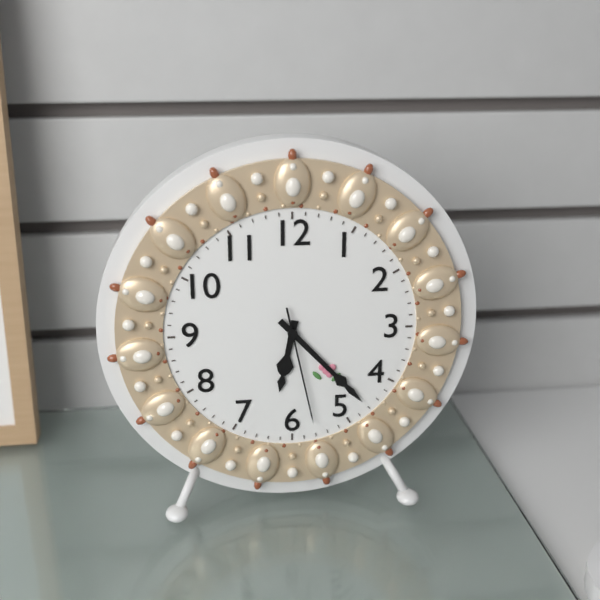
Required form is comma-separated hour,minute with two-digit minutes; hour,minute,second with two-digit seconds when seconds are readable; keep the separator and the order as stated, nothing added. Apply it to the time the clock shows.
6,23,28
